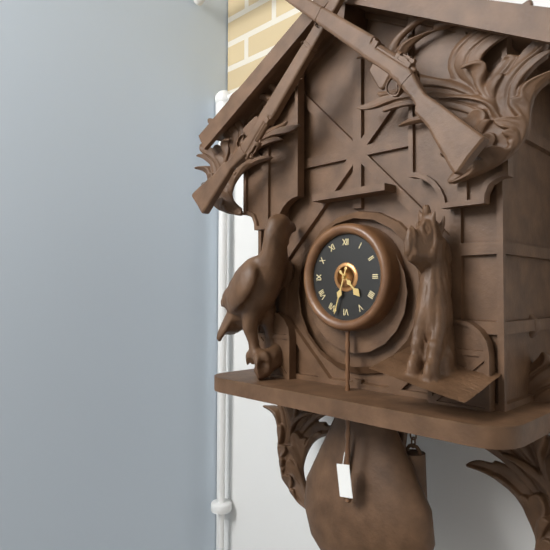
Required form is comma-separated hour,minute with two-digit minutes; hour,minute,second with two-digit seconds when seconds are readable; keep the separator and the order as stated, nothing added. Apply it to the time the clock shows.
4,33
